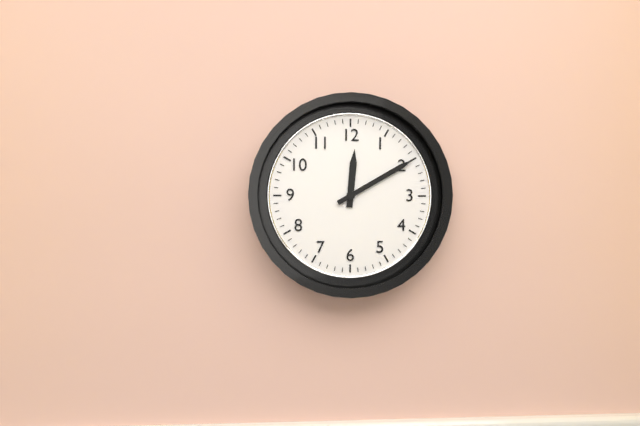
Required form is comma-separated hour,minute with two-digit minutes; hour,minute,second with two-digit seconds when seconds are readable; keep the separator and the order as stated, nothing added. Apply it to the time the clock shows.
12,10
